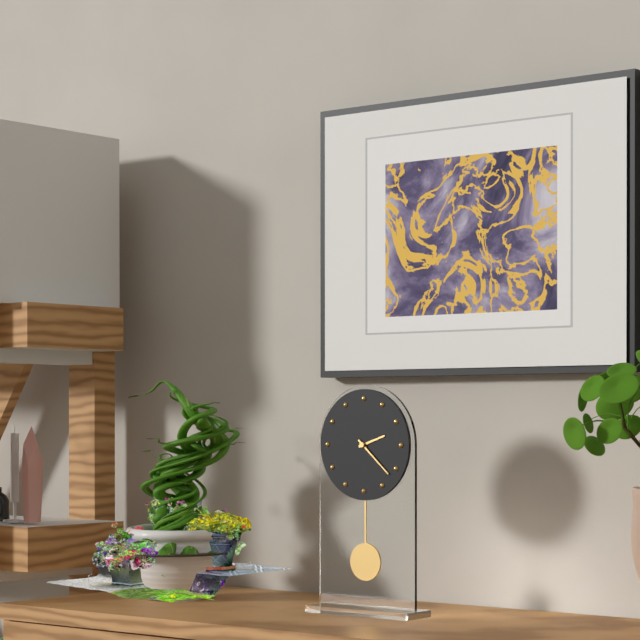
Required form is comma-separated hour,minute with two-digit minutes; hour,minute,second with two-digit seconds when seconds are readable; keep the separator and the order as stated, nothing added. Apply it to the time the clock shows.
2,22
